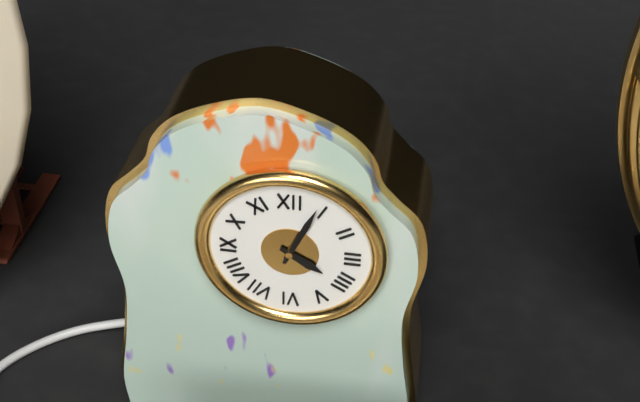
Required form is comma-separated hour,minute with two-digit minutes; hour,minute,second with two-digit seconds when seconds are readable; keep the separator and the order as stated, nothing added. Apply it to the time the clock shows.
4,04
